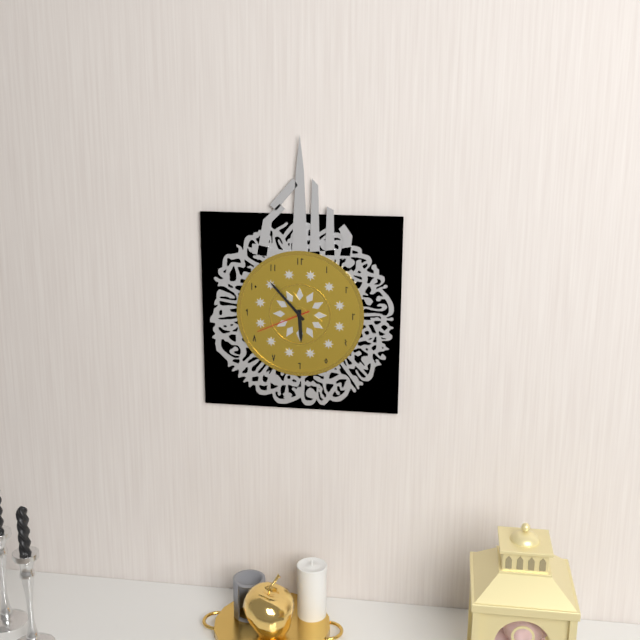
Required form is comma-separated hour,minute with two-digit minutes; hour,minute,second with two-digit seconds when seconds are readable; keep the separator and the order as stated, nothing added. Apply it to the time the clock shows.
5,53,41
